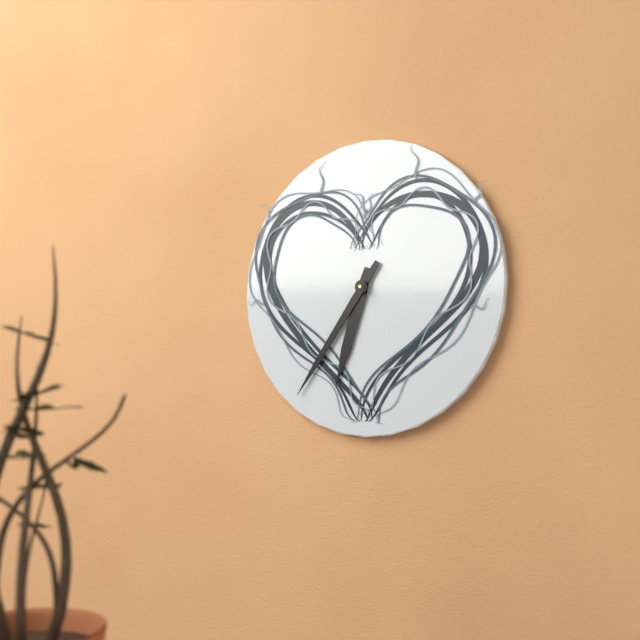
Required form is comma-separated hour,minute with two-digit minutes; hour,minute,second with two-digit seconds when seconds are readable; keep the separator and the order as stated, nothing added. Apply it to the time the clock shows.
6,36
